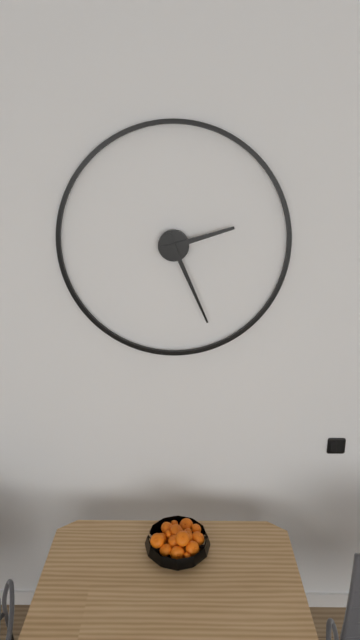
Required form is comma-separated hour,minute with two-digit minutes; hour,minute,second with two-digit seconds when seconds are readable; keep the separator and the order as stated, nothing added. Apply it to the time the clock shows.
2,26
